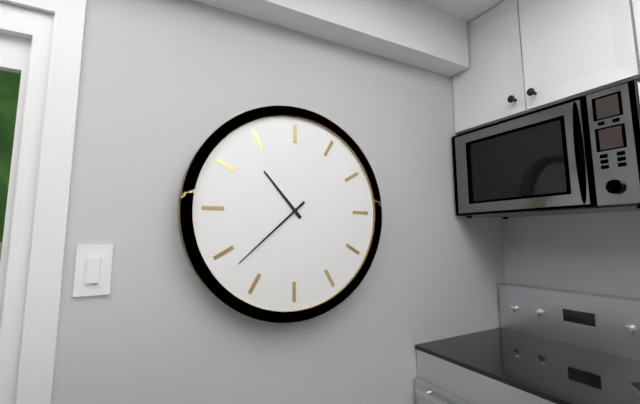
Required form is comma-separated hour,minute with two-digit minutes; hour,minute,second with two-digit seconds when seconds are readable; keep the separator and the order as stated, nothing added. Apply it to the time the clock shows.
10,38
